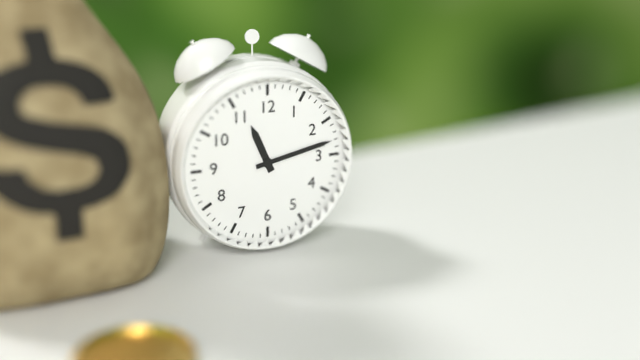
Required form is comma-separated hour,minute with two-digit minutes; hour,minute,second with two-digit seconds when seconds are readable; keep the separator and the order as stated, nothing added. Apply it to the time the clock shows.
11,13
